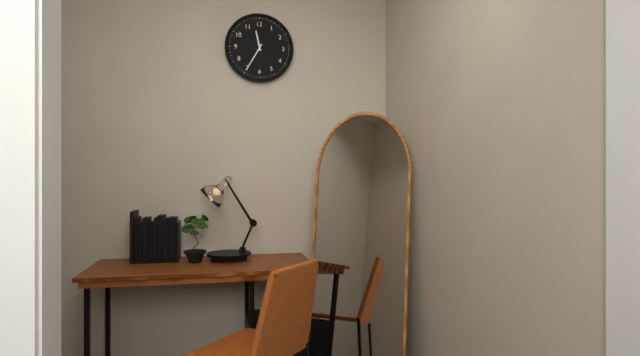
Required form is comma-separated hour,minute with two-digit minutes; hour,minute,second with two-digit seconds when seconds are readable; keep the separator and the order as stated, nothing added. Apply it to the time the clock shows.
11,35
